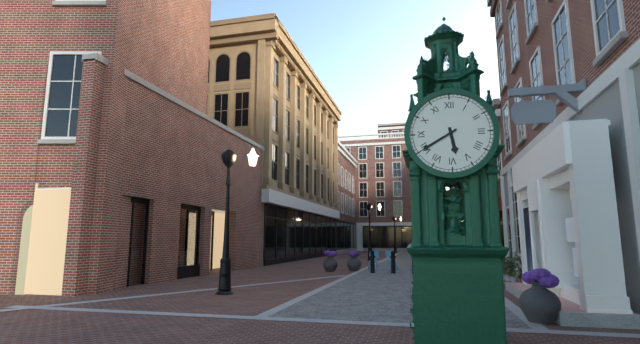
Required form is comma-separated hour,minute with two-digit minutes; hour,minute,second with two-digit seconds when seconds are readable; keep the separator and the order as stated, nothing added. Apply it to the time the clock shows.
5,40
